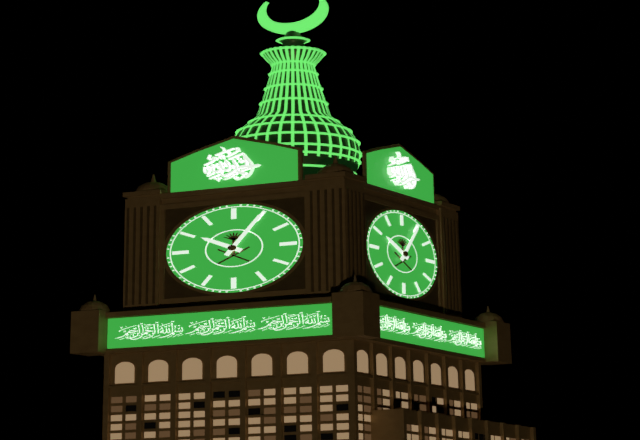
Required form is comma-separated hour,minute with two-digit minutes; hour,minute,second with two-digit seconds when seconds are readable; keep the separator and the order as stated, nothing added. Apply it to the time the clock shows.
10,05
